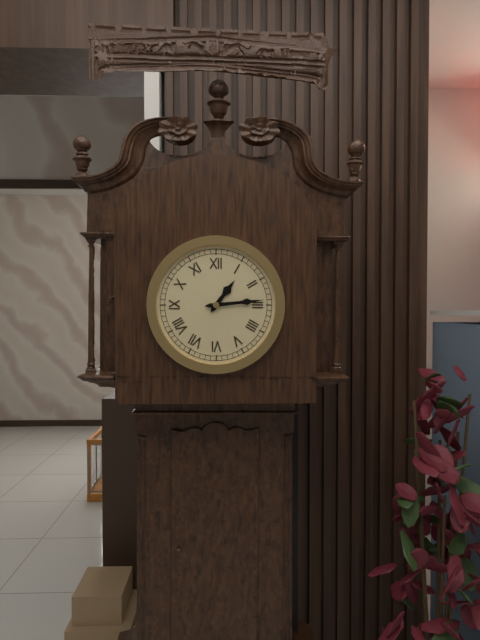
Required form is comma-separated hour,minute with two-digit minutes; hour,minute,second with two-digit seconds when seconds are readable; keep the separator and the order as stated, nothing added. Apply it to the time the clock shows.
1,14
